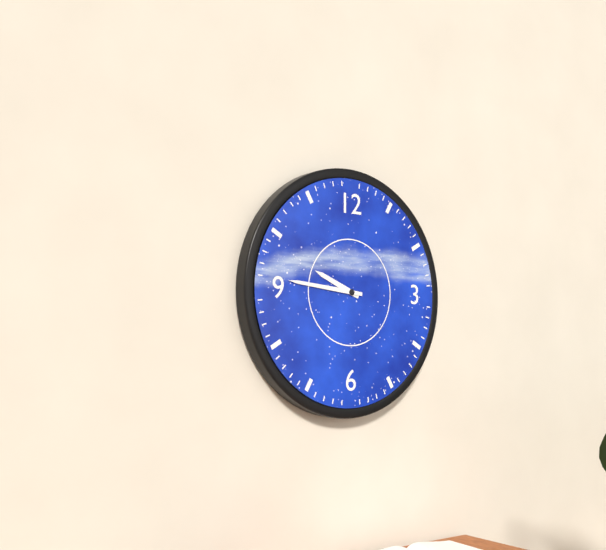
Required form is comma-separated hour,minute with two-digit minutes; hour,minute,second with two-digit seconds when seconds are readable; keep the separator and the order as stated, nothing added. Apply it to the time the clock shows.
9,46
